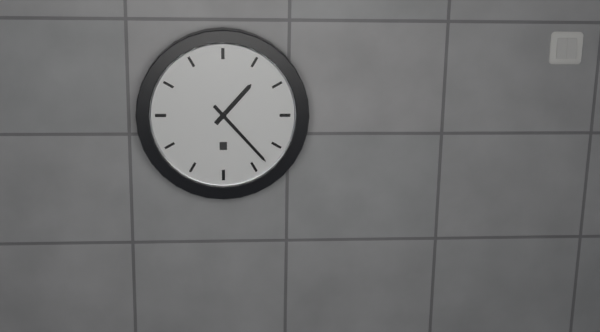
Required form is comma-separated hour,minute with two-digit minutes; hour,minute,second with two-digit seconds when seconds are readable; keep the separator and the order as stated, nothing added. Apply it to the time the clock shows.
1,23
